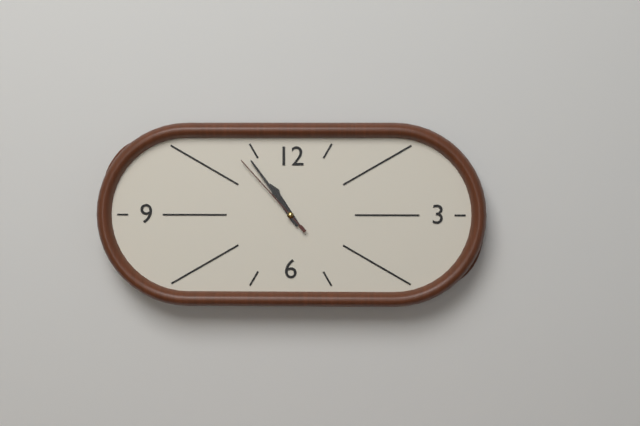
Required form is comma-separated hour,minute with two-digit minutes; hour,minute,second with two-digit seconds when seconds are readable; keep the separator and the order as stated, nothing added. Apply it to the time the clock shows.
10,54,53
